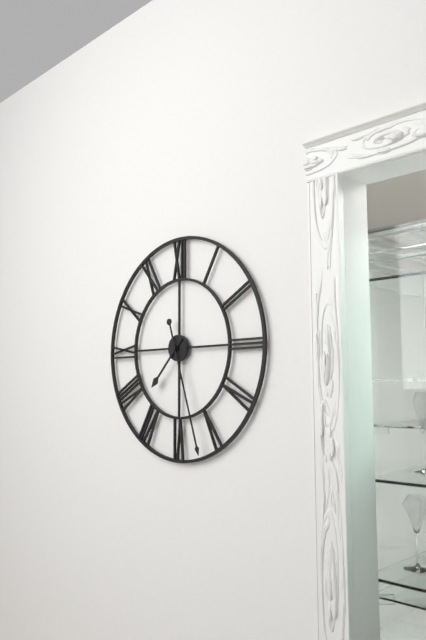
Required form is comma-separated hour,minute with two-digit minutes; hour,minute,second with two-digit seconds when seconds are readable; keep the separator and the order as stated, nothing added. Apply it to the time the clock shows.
7,27
